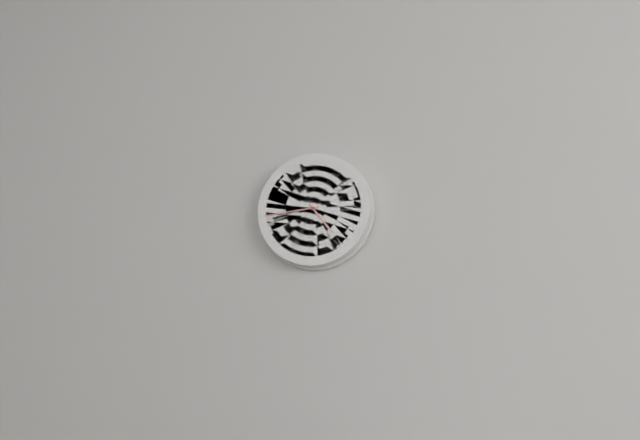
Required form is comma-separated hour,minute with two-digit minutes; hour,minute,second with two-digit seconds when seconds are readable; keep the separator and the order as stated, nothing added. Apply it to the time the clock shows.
4,44
